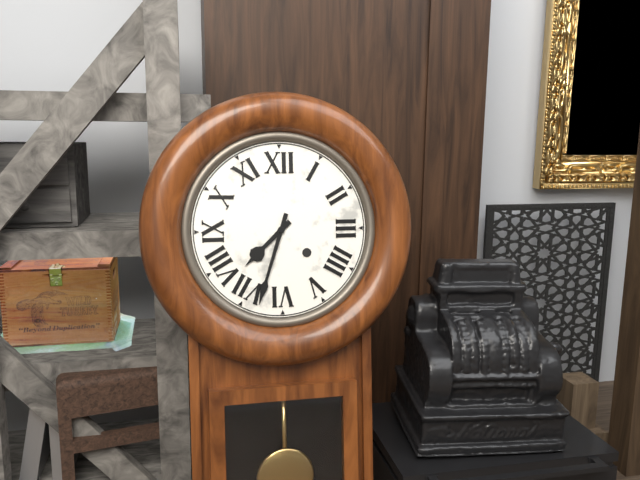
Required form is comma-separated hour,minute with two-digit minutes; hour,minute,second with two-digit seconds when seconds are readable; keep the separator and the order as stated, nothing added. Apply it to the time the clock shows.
7,33
